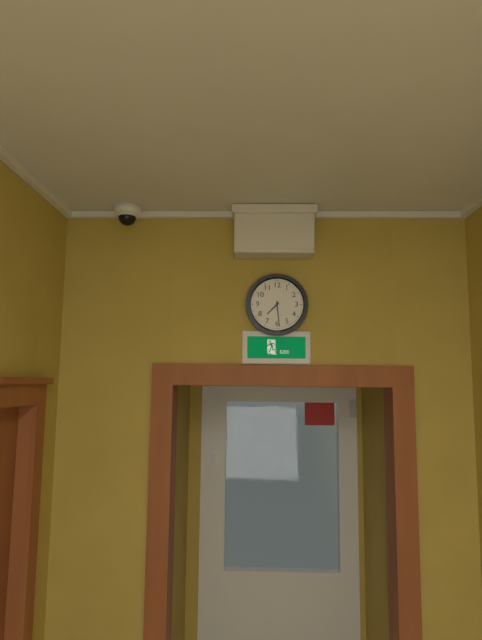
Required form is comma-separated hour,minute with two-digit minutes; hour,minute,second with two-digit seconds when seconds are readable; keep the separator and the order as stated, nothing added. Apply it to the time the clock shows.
7,29
